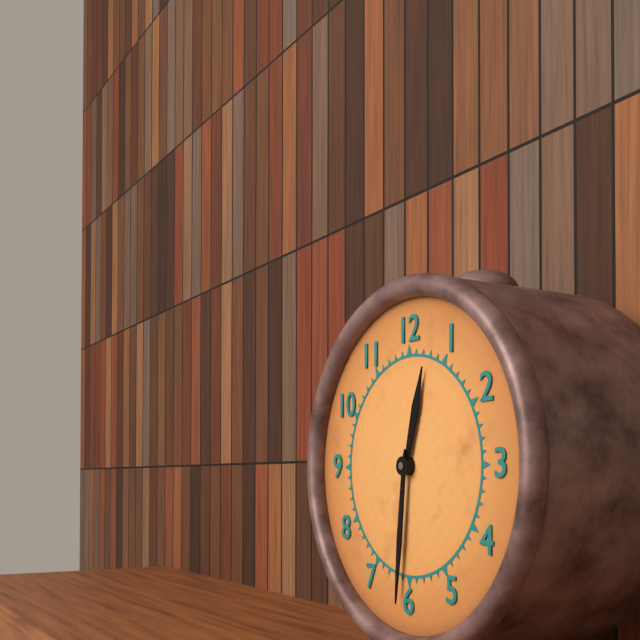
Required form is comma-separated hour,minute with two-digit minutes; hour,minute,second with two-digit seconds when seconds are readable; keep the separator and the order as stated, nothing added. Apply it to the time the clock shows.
12,31
